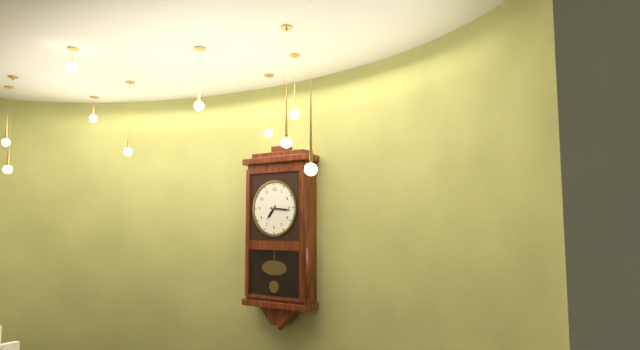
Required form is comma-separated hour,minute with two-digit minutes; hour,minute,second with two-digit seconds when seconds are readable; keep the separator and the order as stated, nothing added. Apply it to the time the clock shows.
7,16
